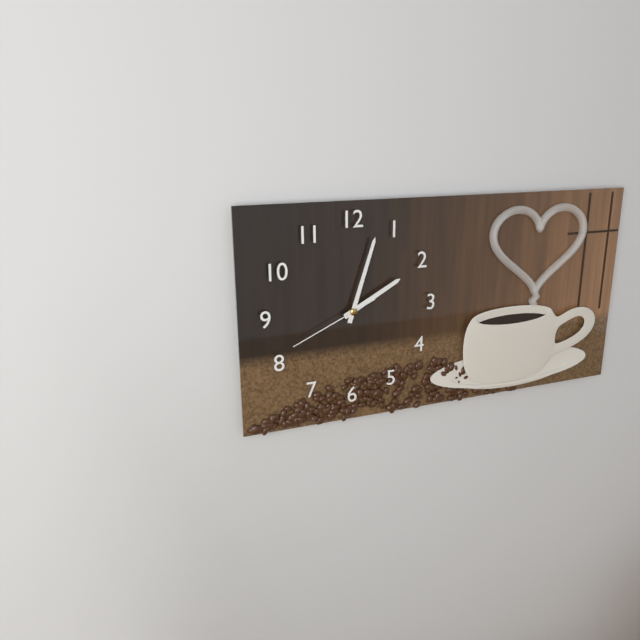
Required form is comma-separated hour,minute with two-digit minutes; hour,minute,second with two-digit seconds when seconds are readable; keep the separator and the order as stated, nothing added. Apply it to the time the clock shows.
2,03,41
